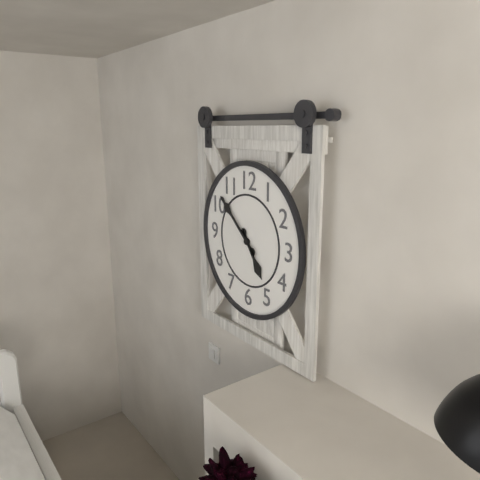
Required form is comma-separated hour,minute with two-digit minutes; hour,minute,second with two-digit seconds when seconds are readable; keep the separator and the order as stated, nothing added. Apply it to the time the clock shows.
4,52
